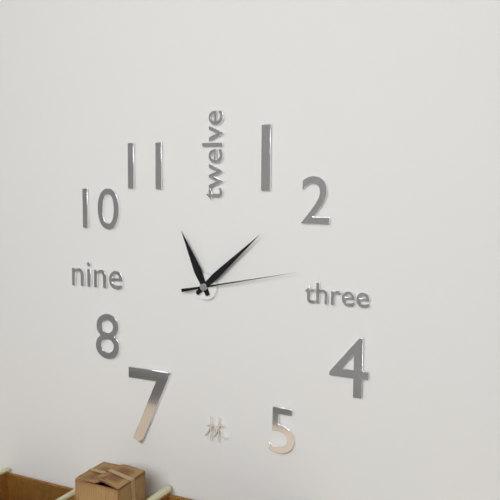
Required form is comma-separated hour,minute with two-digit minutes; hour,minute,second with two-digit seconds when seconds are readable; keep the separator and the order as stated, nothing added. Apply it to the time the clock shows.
11,08,13
